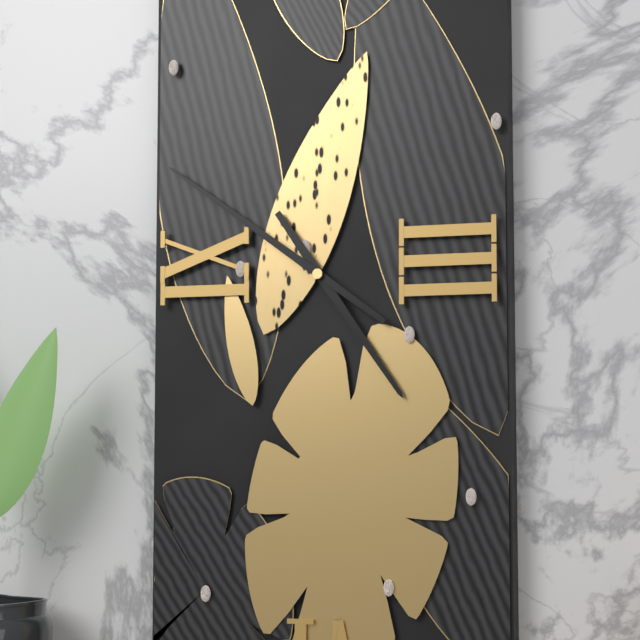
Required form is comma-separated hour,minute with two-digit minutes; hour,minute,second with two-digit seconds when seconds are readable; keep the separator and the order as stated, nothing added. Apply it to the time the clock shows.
4,51
